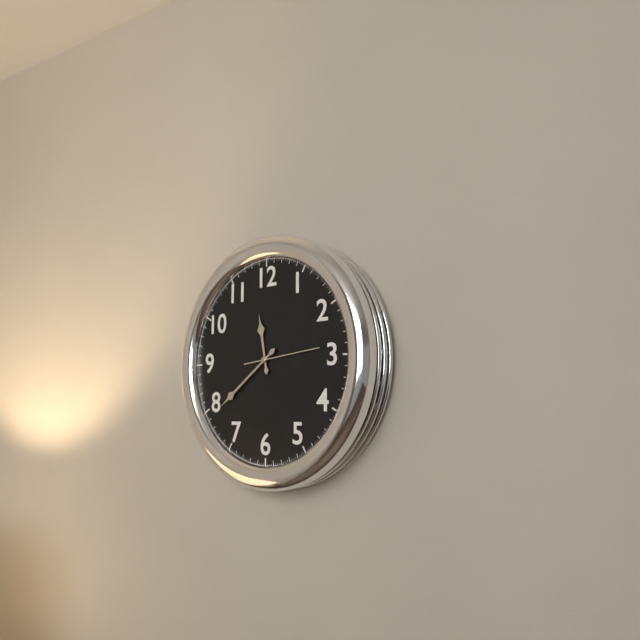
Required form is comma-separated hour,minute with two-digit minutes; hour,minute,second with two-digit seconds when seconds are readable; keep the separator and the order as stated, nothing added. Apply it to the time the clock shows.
11,39,14
